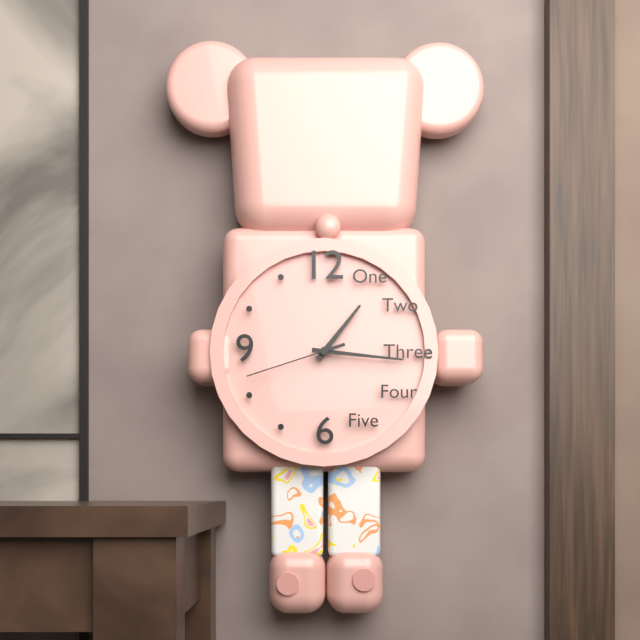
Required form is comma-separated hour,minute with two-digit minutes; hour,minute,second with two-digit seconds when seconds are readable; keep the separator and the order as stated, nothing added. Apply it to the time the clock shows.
1,16,42
